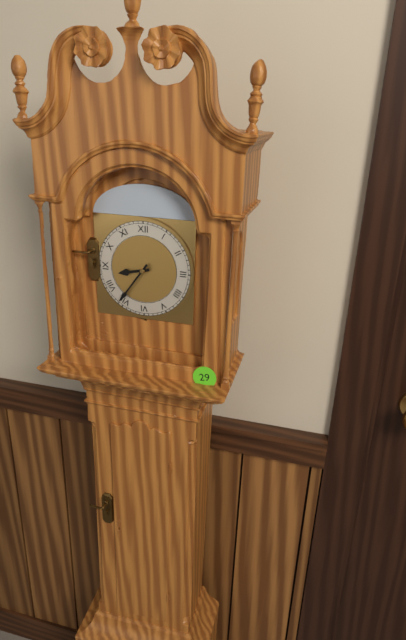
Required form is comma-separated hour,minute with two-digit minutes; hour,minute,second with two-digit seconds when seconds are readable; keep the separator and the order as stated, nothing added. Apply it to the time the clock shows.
8,36
